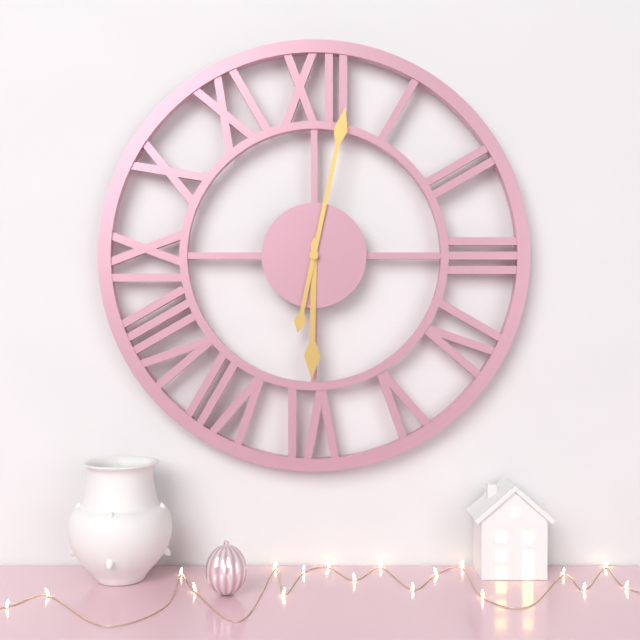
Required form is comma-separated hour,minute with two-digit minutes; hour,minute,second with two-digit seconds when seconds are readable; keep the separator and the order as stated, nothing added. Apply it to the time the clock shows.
6,02
